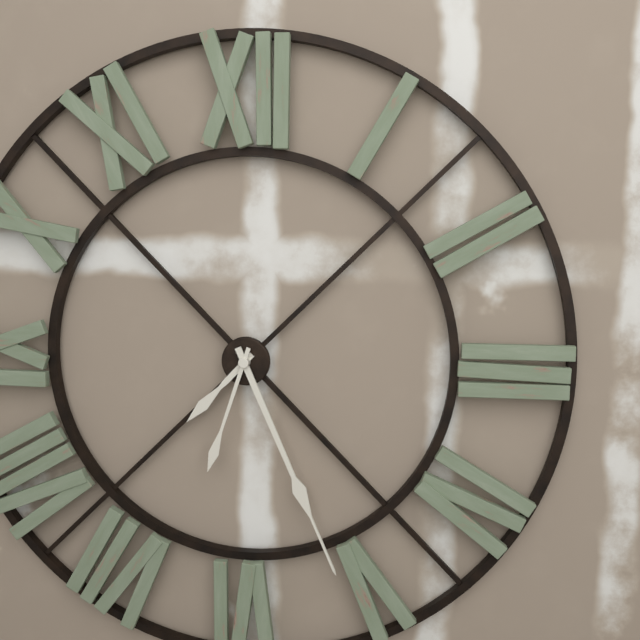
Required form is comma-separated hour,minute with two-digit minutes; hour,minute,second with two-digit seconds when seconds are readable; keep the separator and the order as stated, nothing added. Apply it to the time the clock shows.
7,26,33
